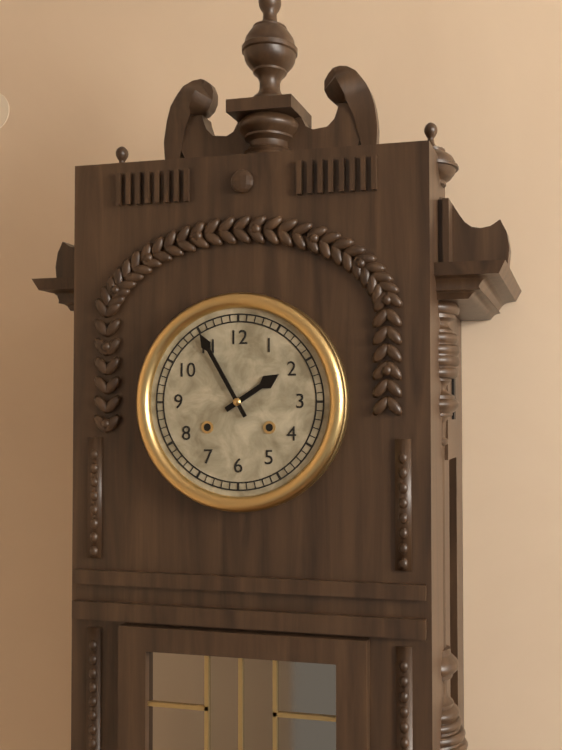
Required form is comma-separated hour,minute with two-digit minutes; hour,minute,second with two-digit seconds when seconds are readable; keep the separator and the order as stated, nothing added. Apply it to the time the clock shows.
1,55
